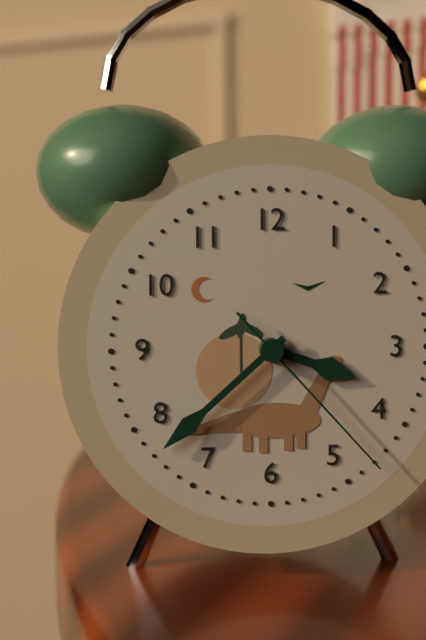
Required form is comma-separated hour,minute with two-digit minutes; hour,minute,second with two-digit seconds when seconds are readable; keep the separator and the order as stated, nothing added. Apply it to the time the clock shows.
3,38,23
